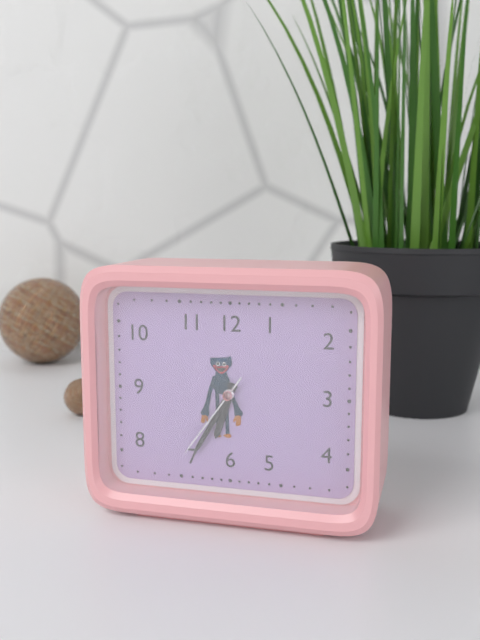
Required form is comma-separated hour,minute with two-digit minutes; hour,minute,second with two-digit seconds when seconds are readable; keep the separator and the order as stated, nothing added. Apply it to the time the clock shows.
6,35,36
